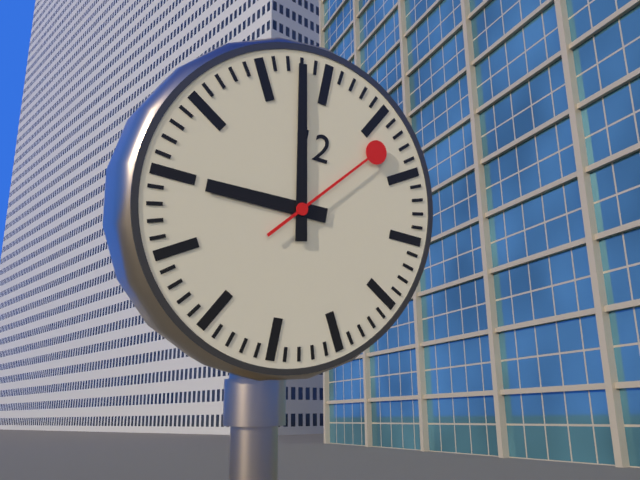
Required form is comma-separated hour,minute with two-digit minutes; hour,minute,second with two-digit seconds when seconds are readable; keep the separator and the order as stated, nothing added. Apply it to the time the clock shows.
8,58,07
